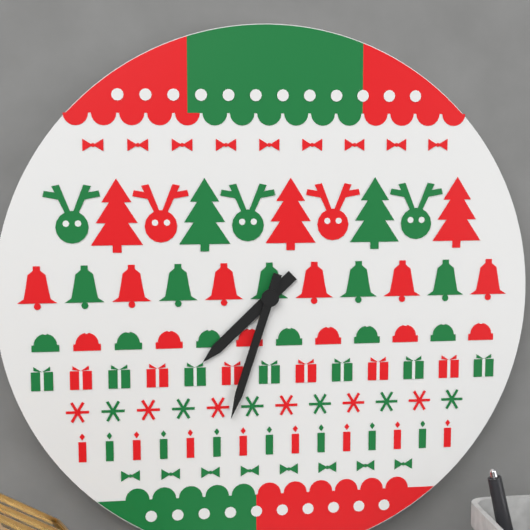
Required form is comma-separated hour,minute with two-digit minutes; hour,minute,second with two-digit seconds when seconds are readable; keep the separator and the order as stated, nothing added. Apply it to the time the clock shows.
7,33
